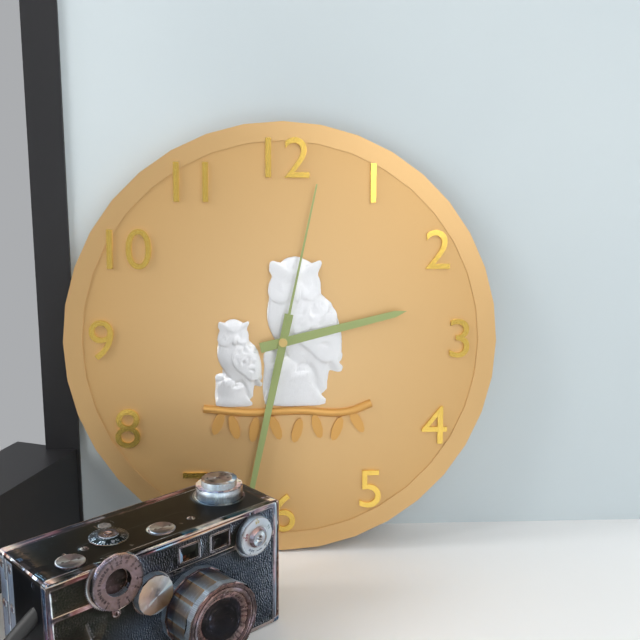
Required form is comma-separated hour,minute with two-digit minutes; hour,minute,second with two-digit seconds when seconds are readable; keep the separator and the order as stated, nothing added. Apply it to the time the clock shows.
2,32,02
